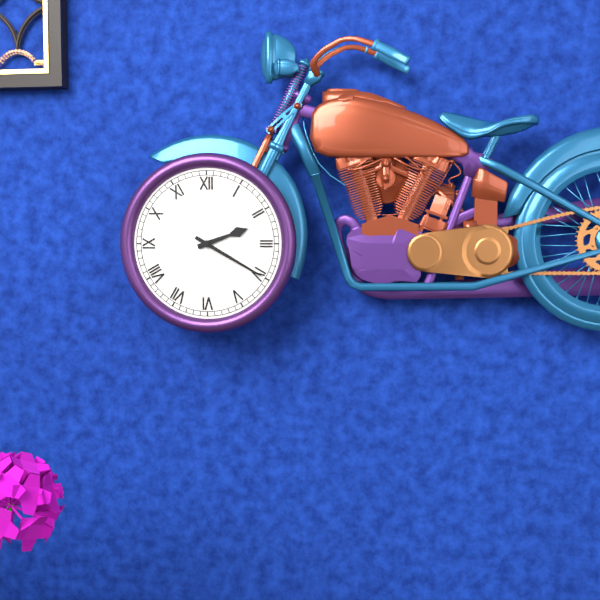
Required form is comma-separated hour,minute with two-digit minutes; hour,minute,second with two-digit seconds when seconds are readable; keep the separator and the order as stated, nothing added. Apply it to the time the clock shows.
2,20
